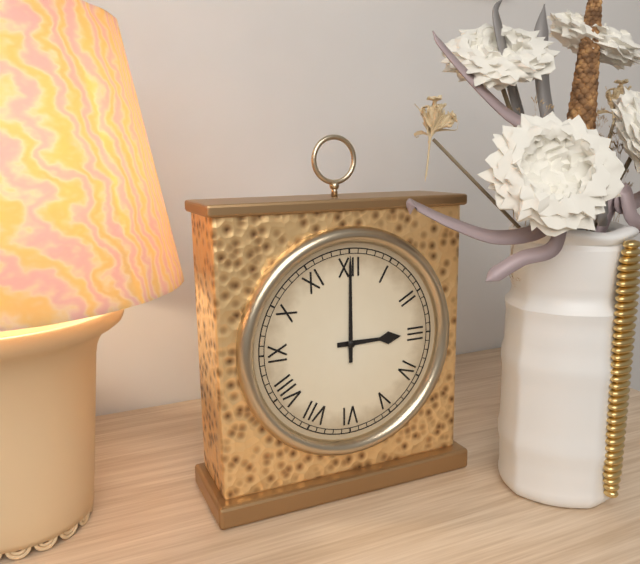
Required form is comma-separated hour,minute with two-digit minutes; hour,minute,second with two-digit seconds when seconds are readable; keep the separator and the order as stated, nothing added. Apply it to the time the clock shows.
3,00
